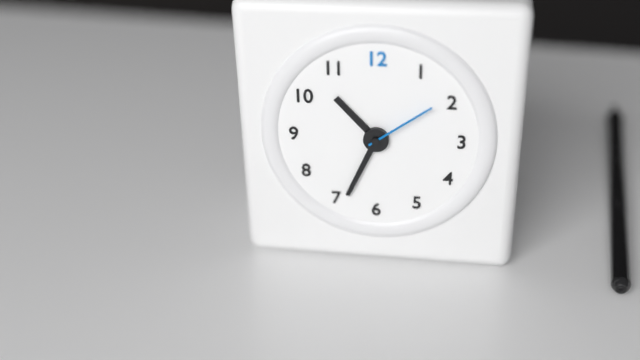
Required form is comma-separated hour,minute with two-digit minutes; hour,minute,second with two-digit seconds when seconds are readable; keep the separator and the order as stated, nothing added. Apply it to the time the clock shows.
10,34,09
